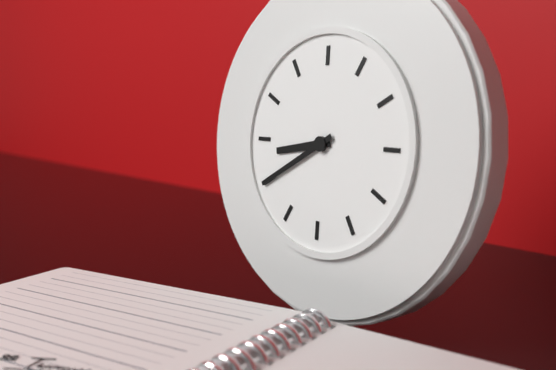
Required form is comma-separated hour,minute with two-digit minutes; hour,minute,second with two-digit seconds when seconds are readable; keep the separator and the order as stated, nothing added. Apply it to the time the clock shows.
8,40
